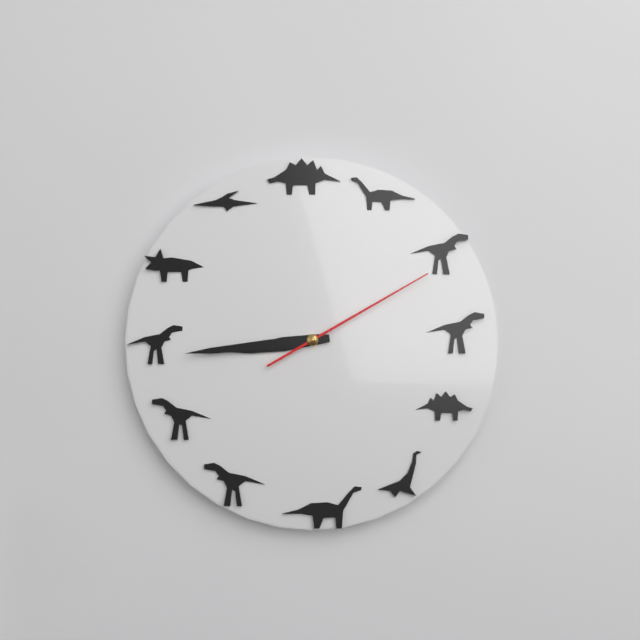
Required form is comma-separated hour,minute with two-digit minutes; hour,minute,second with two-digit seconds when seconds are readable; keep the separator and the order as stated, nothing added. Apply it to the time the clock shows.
8,44,10
